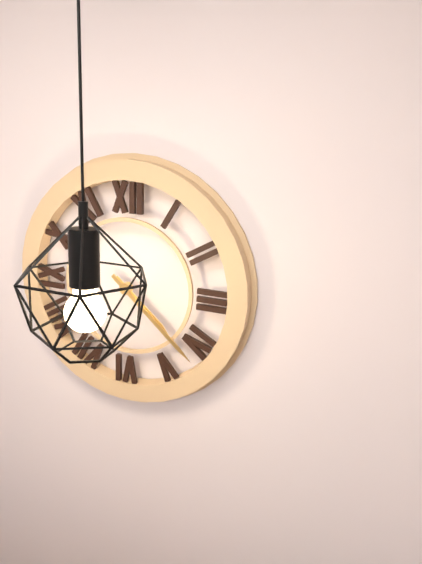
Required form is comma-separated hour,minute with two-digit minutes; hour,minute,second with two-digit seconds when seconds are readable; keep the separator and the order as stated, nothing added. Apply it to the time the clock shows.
4,22
